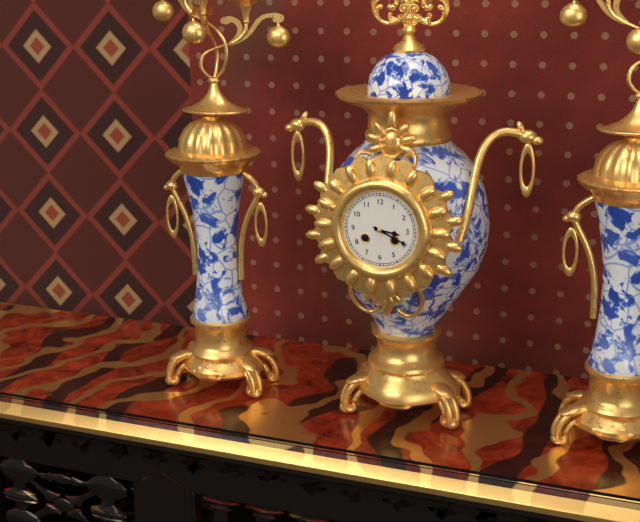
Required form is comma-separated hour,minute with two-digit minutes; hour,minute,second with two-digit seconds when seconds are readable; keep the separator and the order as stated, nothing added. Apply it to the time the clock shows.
3,19
